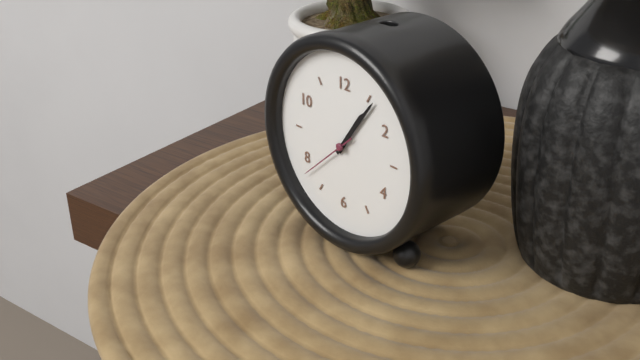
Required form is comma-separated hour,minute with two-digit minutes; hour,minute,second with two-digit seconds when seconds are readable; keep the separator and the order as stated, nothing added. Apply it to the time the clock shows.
1,06,38
